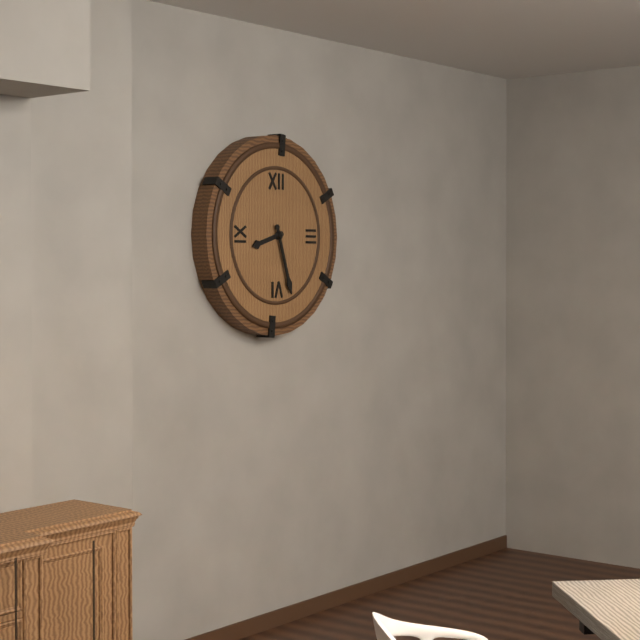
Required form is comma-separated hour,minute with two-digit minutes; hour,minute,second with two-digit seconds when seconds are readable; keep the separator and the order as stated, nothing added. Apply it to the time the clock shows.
8,27
